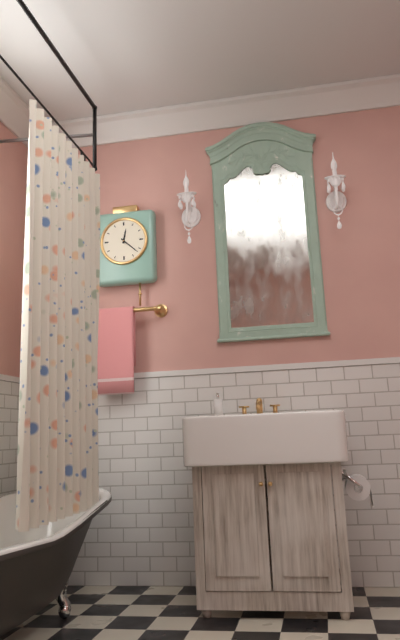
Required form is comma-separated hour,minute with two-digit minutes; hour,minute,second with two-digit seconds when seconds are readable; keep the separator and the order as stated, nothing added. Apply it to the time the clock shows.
12,22
